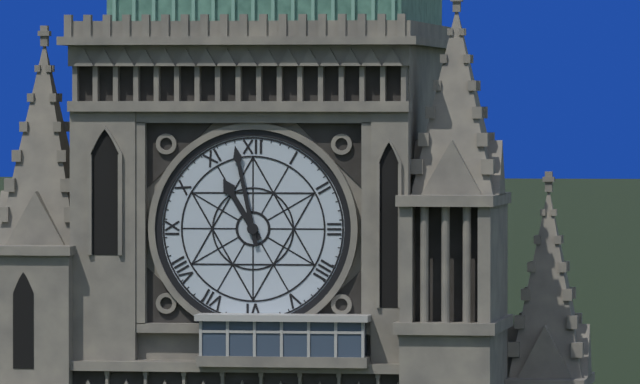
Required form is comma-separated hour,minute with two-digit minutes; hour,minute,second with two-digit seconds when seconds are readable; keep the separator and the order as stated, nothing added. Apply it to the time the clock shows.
10,58
